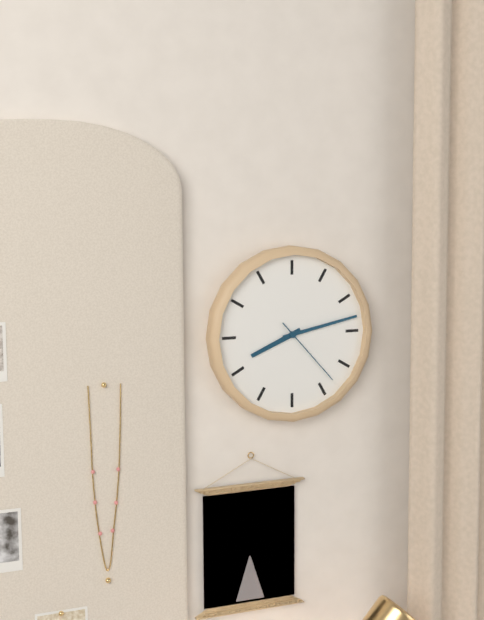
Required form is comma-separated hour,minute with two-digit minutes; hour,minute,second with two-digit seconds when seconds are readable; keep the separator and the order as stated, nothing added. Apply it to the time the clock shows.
8,13,23
